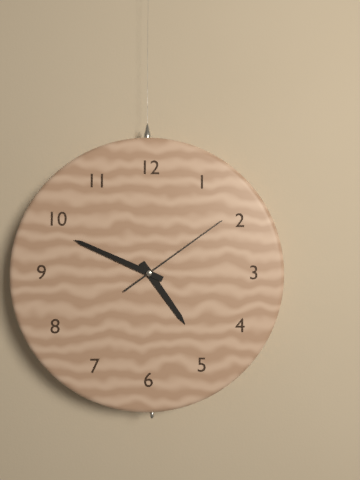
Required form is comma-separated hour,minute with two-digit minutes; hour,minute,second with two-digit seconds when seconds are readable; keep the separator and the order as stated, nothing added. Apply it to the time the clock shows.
4,49,09
